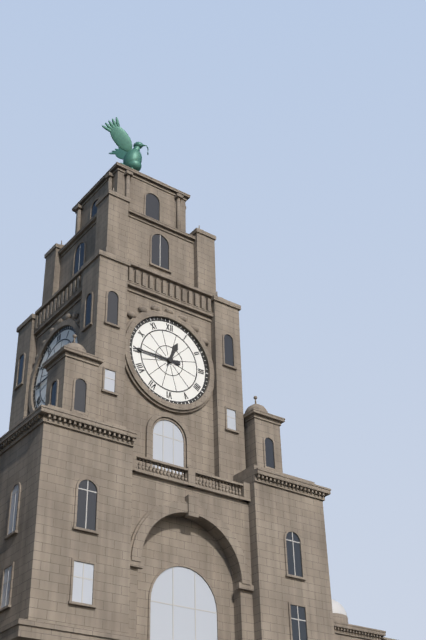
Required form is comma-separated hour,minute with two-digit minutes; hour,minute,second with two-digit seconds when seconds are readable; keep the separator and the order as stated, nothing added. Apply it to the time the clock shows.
12,45
